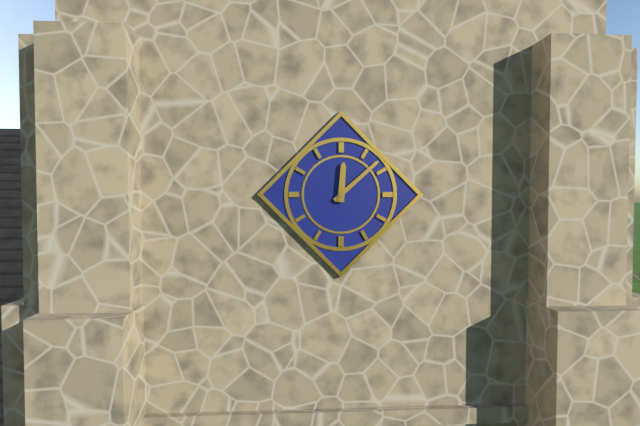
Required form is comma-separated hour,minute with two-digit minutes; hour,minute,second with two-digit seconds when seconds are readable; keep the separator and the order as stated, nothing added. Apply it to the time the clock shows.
12,08
